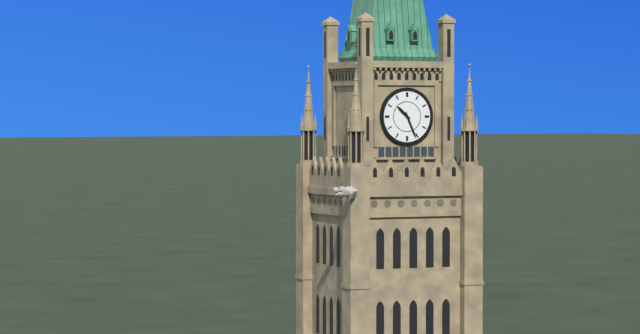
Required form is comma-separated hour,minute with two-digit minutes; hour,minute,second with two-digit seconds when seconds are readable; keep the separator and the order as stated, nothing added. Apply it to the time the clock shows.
10,26
